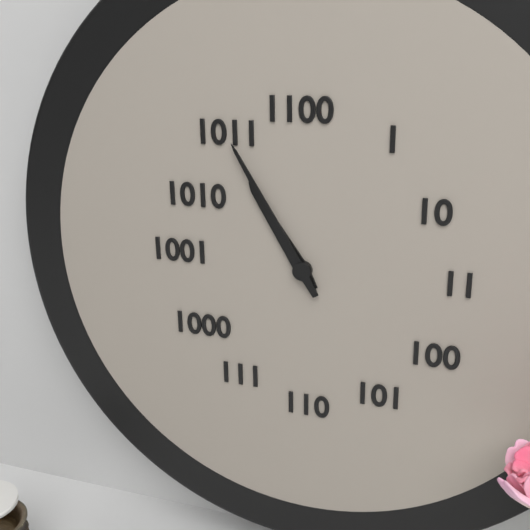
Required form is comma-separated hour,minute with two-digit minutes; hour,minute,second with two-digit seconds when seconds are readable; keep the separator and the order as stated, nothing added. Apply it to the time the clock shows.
10,55
